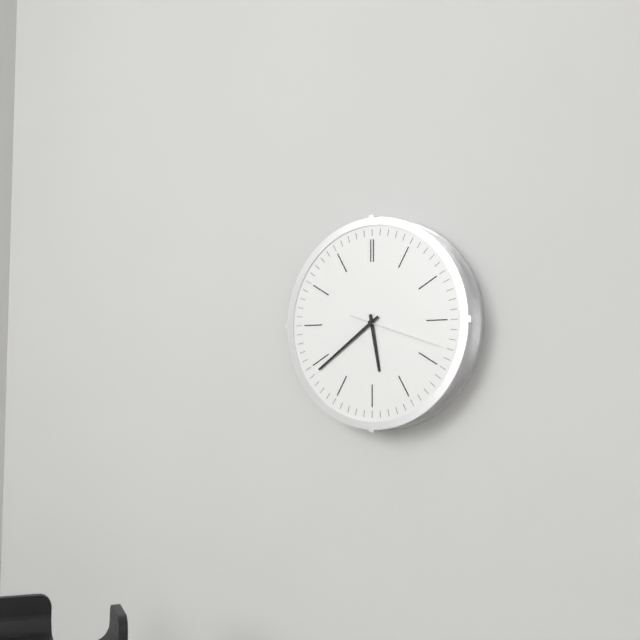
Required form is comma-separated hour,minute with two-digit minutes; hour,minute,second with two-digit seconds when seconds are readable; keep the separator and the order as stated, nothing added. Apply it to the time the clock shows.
5,39,18
